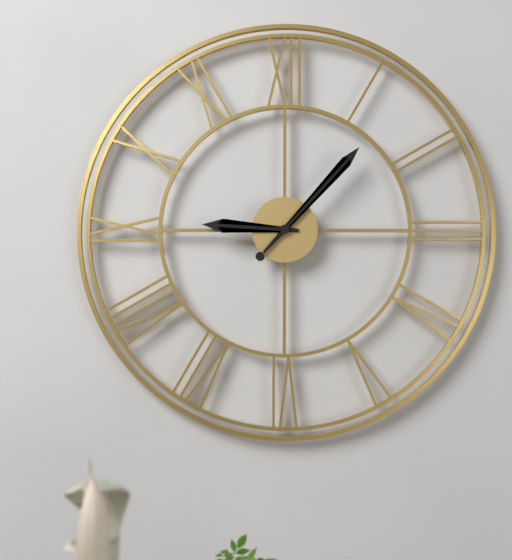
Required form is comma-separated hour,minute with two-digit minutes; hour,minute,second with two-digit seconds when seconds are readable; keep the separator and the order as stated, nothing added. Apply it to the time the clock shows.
9,07
